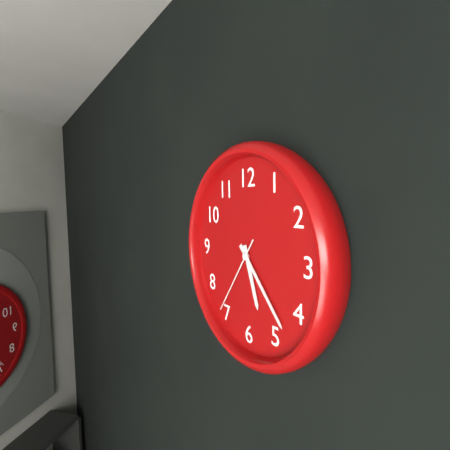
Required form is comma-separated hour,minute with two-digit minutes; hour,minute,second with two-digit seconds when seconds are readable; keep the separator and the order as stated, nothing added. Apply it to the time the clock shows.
5,23,36
